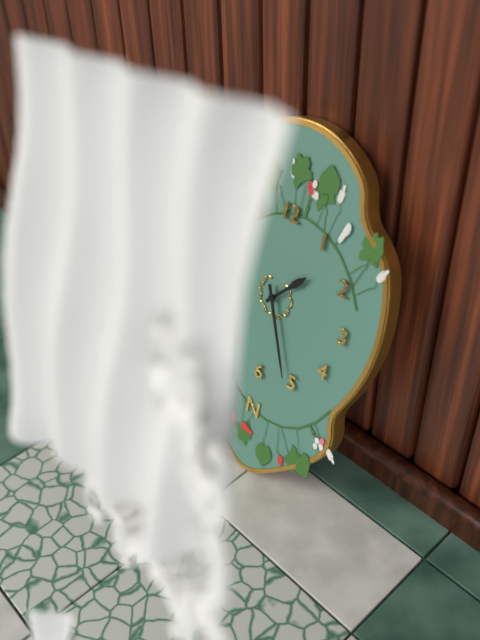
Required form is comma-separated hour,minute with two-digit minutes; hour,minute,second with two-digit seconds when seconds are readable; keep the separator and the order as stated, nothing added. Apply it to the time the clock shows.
1,26
